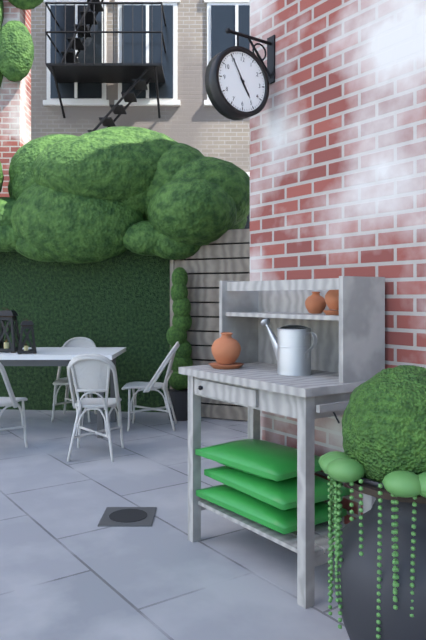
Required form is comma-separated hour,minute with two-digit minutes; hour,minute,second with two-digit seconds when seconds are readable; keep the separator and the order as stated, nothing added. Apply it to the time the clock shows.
4,55
